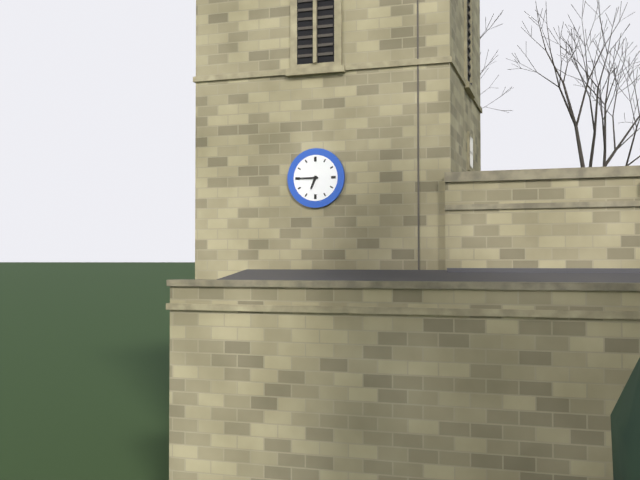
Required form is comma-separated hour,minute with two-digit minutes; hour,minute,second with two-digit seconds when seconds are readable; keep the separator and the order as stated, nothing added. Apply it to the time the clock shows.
6,45
